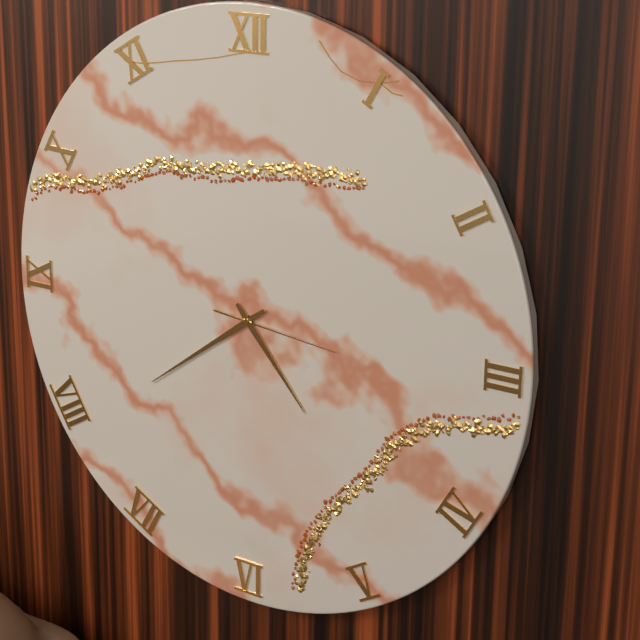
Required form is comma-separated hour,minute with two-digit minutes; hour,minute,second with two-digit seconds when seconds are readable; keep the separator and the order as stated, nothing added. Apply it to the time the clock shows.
4,39,16
